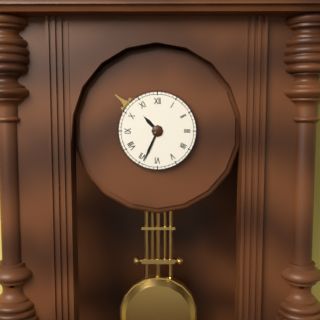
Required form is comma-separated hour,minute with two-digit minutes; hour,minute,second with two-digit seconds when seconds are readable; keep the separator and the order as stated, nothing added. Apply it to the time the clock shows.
10,34
